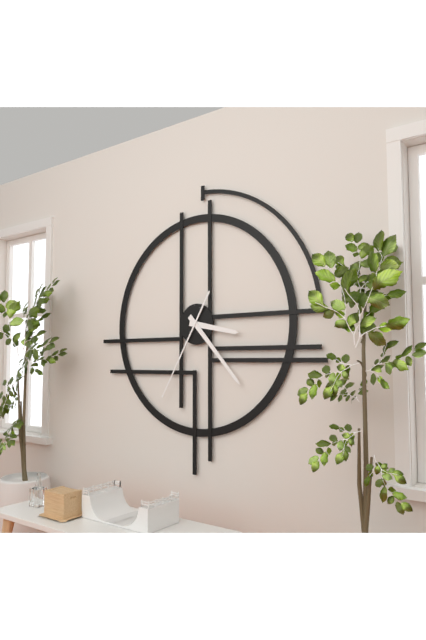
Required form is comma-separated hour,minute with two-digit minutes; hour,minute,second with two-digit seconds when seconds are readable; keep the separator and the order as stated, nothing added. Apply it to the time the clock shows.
3,23,35
